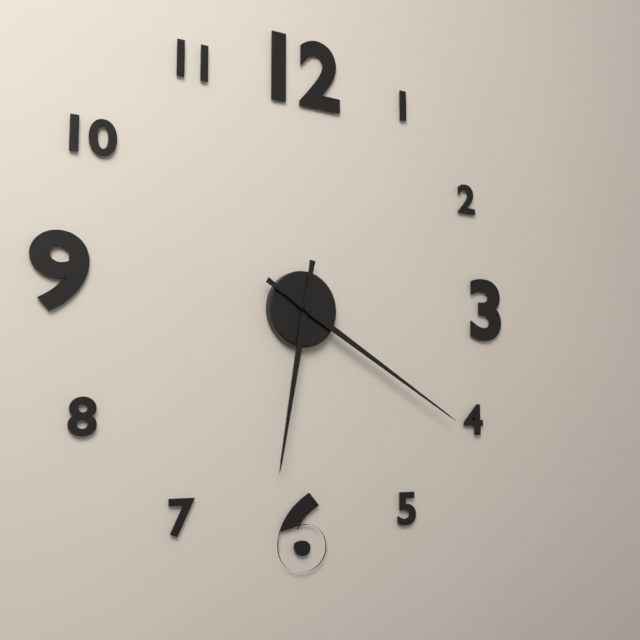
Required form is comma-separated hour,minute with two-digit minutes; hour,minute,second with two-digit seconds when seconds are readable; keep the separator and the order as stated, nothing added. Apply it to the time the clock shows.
6,20
